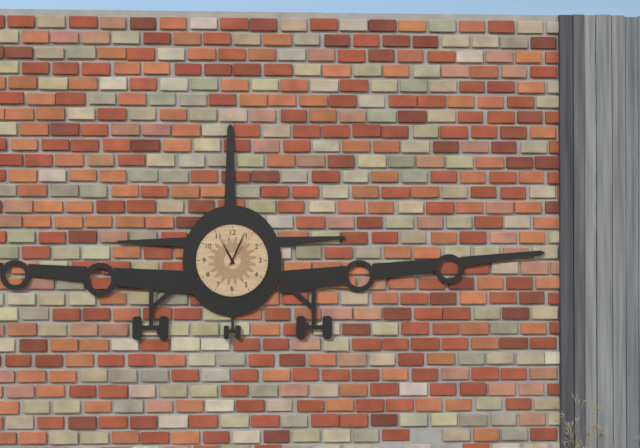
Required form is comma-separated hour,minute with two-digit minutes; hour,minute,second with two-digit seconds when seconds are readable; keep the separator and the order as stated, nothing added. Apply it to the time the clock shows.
11,04
